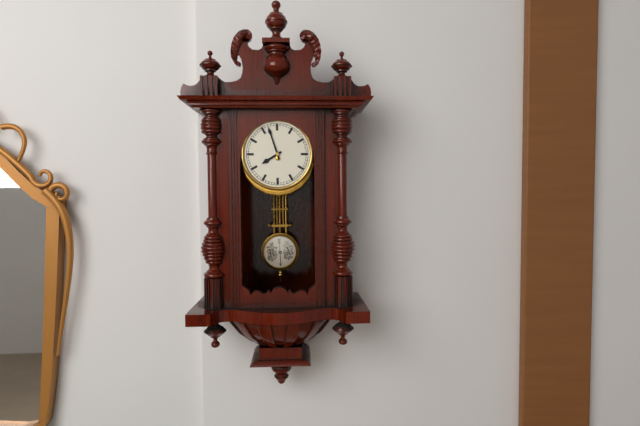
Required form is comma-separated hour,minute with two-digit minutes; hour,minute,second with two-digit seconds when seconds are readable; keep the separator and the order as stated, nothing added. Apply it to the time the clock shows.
7,57
